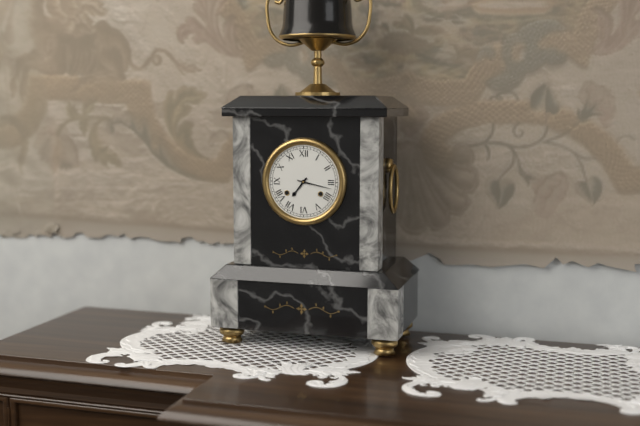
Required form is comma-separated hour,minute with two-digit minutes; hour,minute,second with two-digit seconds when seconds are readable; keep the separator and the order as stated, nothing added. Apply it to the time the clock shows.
7,17
